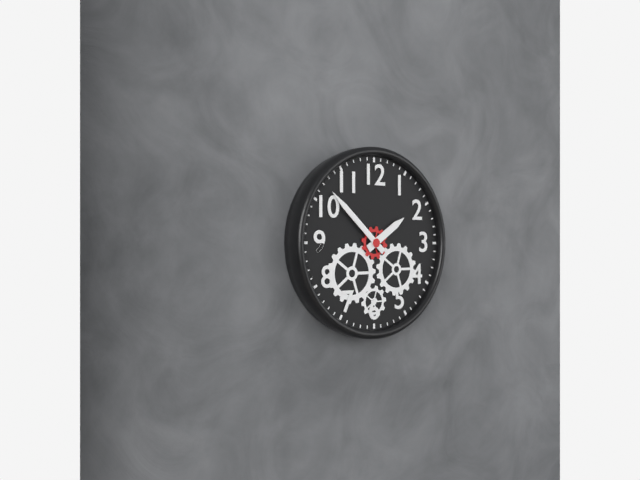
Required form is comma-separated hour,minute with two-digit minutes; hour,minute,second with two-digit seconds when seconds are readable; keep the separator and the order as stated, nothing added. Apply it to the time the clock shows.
1,52
